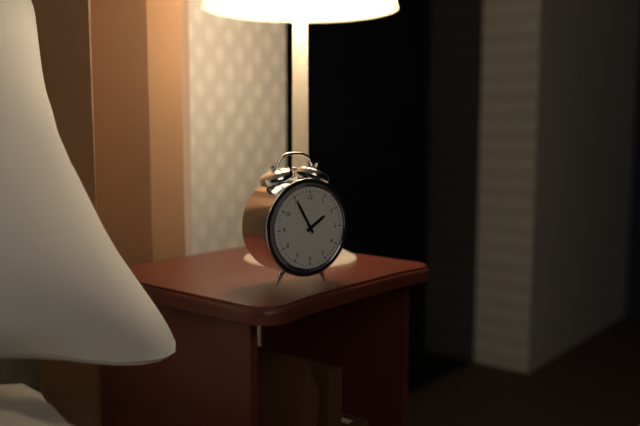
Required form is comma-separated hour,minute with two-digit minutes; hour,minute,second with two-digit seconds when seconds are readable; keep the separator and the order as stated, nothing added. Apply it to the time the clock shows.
1,55
